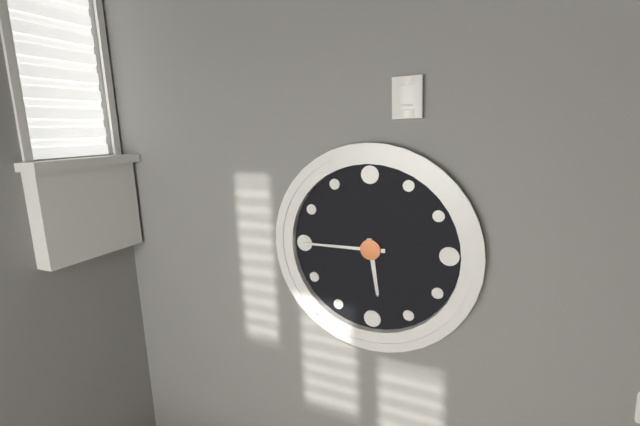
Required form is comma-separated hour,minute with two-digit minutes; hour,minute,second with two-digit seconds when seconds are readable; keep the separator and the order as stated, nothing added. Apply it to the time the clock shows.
5,45
